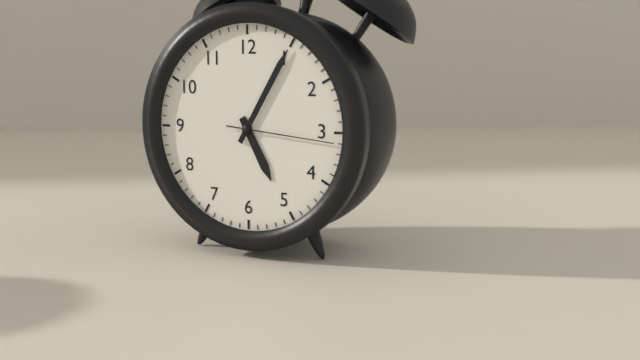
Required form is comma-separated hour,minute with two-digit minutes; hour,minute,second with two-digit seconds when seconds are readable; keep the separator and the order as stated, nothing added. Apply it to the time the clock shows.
5,05,16
